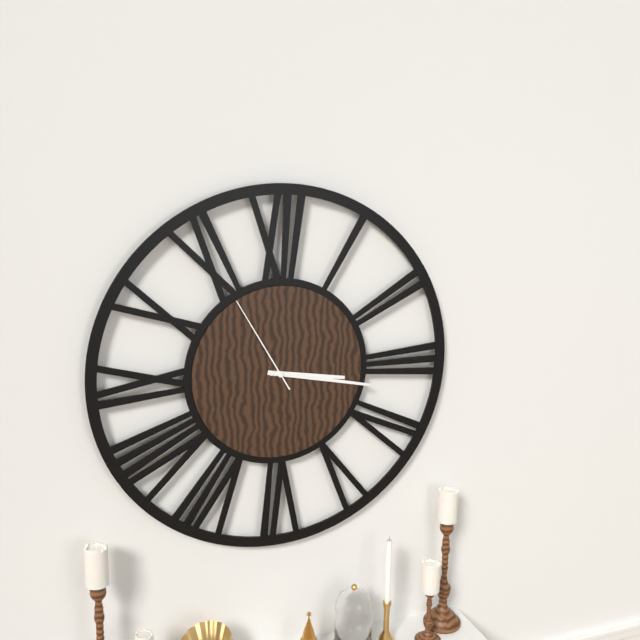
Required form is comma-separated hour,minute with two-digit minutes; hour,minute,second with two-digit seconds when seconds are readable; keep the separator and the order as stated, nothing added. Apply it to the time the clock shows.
3,17,55
